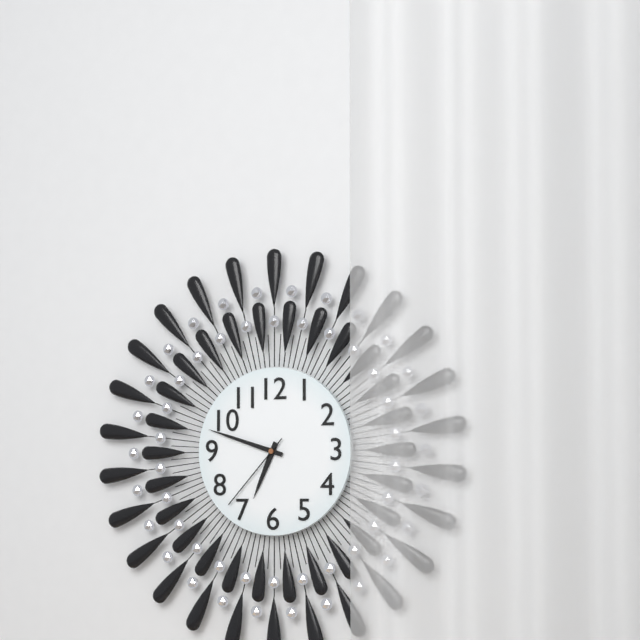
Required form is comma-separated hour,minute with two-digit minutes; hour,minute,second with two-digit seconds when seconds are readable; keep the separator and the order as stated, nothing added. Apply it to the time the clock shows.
6,48,37
